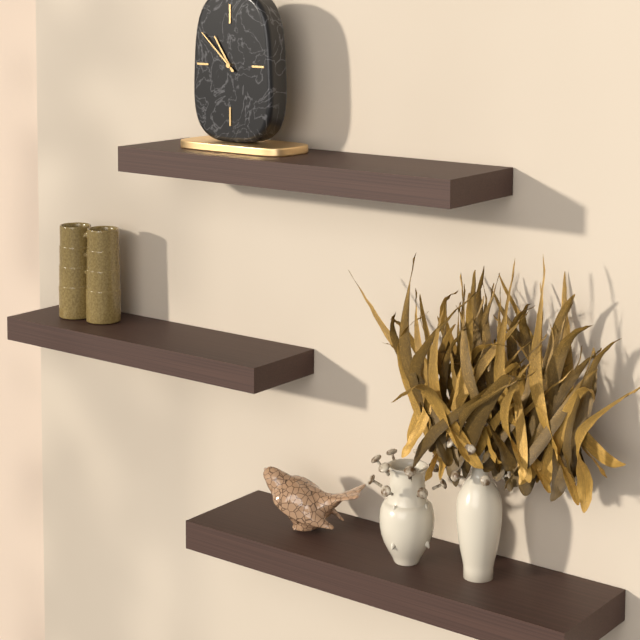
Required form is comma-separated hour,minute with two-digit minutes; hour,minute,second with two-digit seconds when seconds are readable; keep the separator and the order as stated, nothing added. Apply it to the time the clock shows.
10,52
